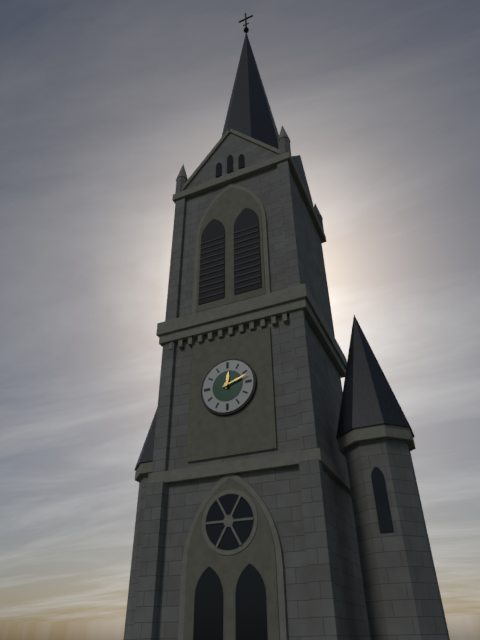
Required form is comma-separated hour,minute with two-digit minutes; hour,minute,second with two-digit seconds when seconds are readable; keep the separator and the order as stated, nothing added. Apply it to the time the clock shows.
12,12
